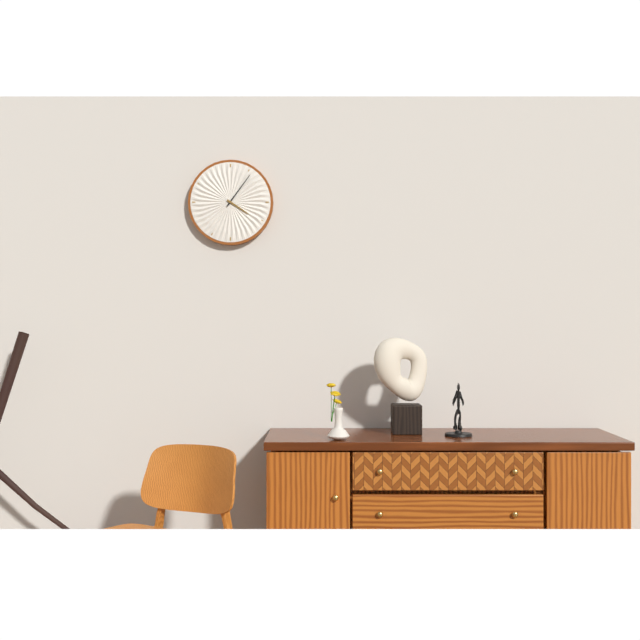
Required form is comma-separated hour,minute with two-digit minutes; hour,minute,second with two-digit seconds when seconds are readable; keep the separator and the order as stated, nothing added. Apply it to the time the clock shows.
4,06
